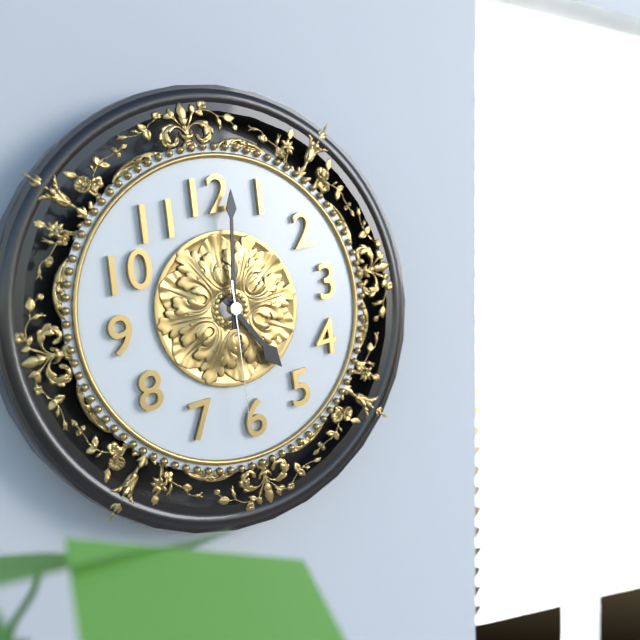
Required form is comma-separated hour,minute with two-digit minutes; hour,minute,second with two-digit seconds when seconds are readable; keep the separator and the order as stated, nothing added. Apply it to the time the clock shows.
5,02,31
